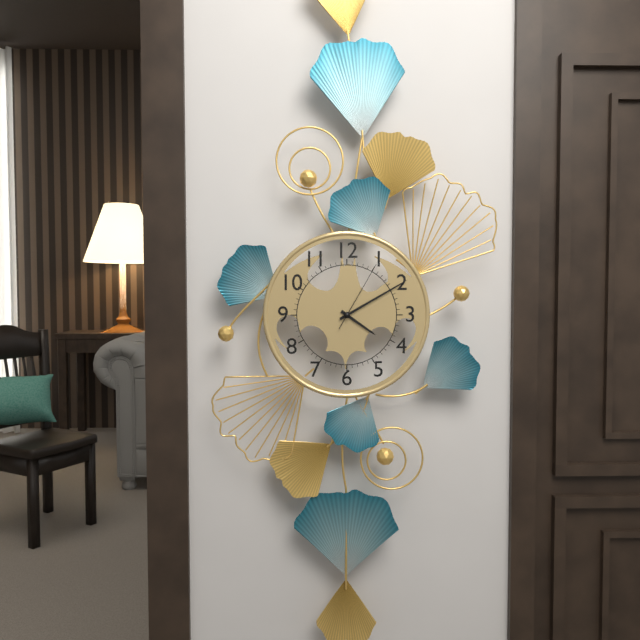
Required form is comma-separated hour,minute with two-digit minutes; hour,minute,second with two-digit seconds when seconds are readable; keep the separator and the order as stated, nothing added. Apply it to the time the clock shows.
4,10,05
